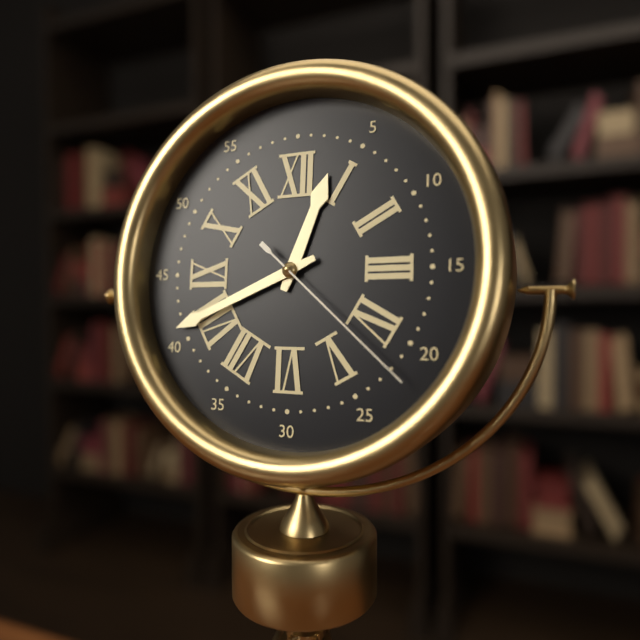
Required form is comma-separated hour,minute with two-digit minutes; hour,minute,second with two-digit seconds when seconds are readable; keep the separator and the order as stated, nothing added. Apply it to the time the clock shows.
12,41,22
